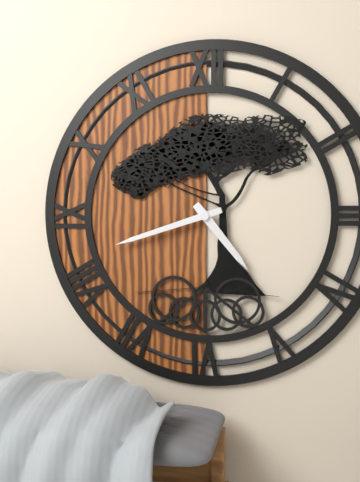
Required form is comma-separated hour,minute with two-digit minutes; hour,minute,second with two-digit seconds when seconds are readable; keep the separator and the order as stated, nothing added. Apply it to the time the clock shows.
4,42
